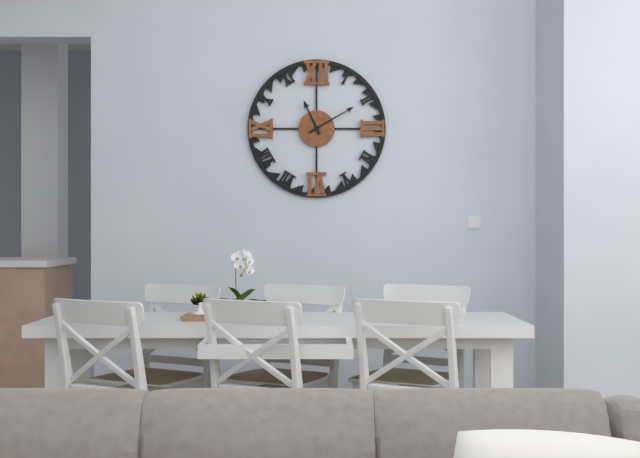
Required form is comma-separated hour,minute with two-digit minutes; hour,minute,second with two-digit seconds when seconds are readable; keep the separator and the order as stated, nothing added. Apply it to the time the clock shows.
11,10
